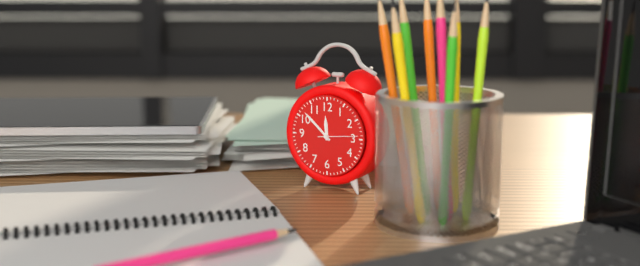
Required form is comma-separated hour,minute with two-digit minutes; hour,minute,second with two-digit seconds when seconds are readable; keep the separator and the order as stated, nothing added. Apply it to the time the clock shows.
11,52
